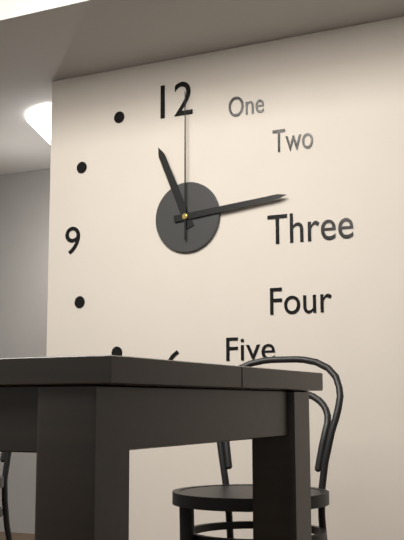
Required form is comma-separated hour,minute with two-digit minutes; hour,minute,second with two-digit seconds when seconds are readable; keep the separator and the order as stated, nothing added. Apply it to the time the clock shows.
11,14,00
